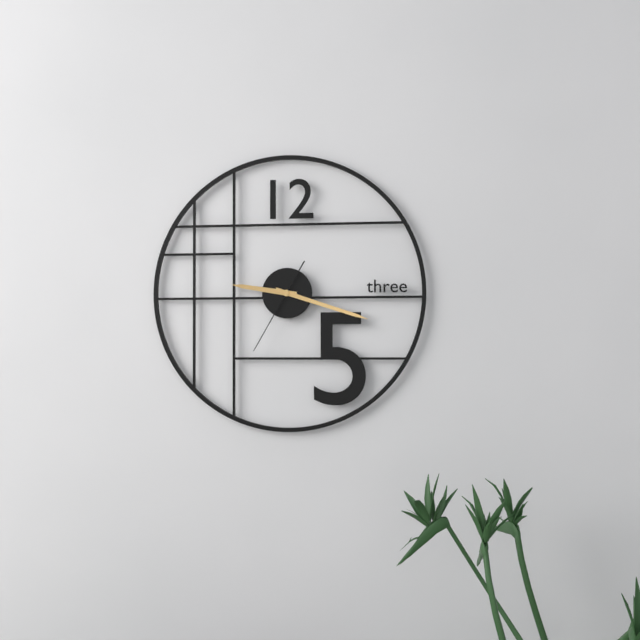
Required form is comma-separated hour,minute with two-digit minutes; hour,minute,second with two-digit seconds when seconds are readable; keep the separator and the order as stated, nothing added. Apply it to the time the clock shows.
9,18,35
